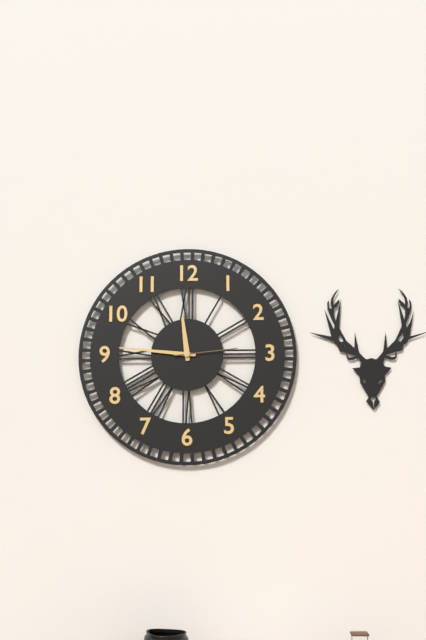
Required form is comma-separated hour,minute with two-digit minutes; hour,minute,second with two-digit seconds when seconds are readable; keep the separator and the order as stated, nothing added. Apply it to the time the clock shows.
11,46,14
